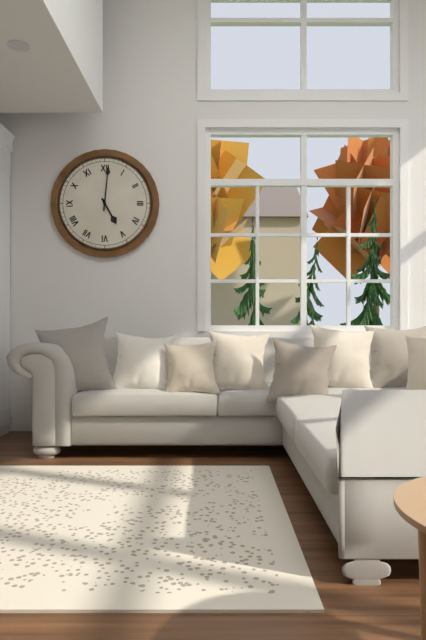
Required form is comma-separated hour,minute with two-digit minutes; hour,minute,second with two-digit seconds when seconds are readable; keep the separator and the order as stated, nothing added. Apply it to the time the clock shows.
5,01
